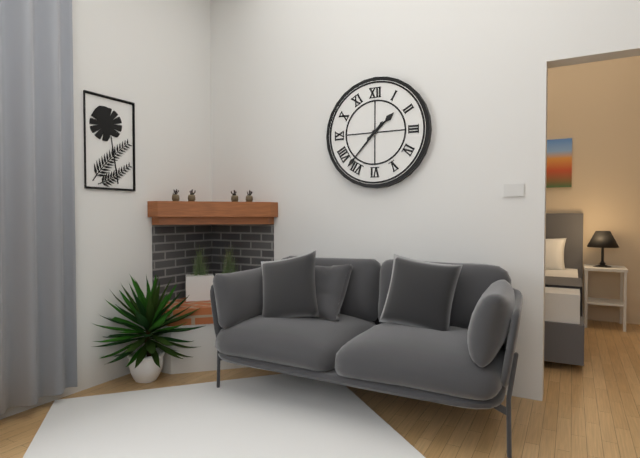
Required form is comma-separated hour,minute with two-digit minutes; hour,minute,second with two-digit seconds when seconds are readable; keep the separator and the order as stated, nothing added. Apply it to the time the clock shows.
1,37
